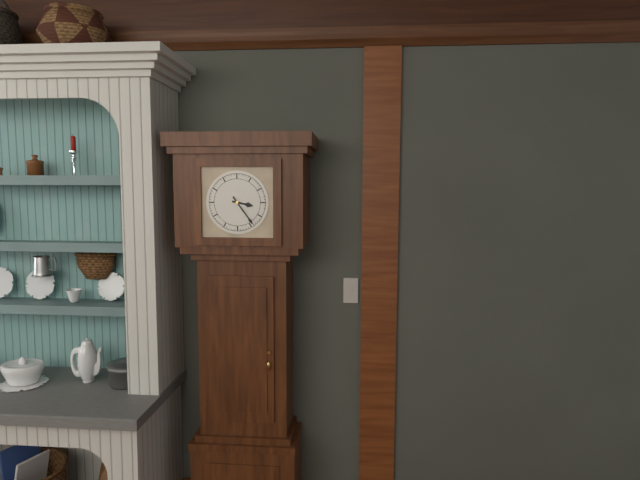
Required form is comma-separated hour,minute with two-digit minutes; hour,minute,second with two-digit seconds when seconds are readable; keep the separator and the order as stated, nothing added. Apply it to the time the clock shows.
3,24
